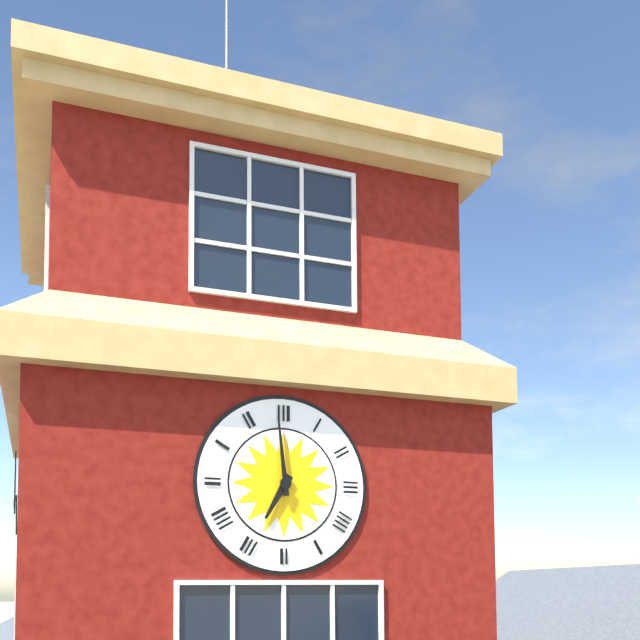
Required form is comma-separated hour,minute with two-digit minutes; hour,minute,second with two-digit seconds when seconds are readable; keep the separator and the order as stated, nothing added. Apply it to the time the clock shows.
6,59
